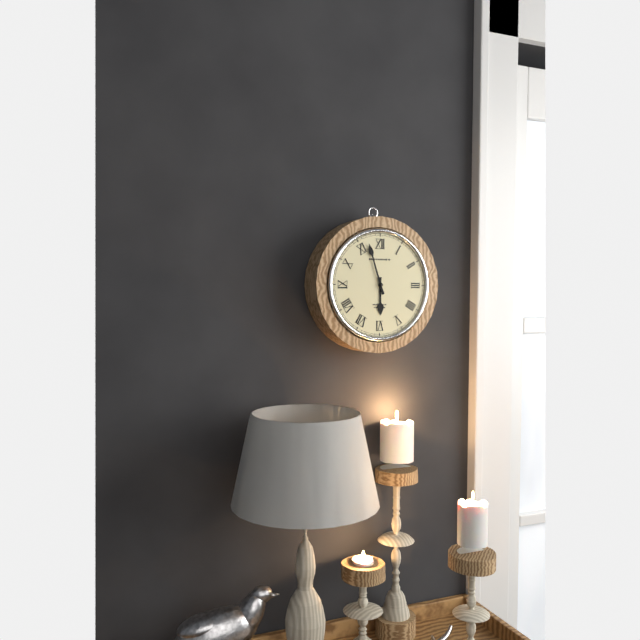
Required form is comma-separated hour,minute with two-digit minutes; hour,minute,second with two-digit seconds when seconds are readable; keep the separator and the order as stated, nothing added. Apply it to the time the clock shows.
5,57
